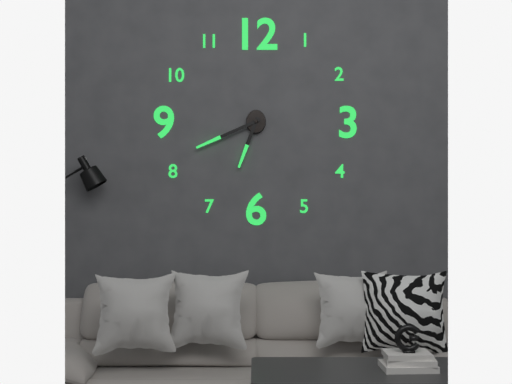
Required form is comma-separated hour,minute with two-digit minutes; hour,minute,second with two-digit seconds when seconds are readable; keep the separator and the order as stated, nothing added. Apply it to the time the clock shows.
6,41
